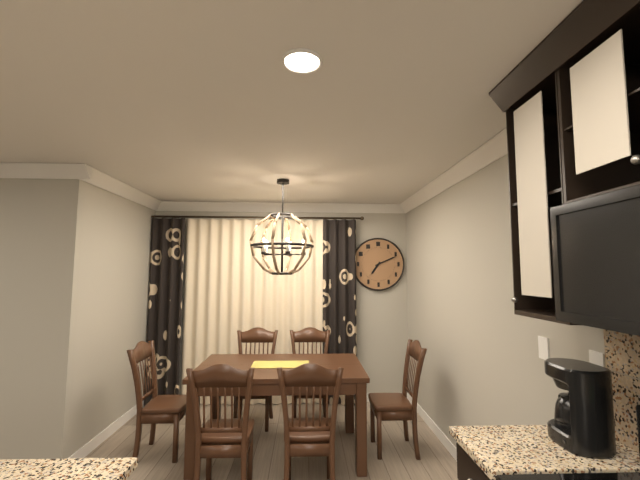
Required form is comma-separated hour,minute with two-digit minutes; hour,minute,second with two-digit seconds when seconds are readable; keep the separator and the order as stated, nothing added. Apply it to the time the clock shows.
7,11
